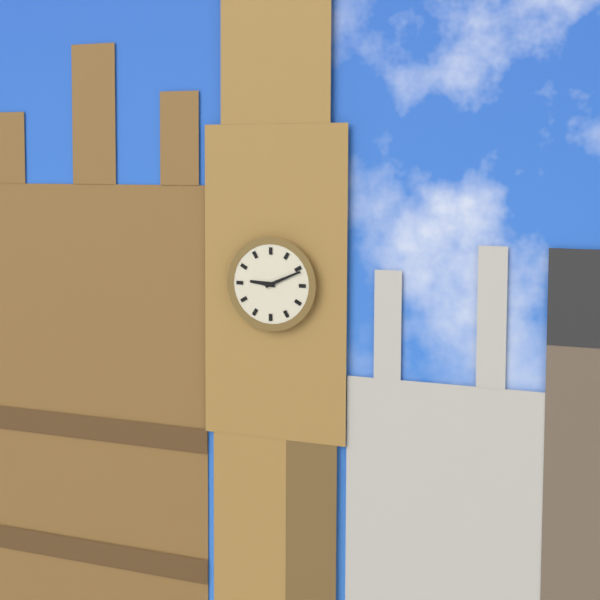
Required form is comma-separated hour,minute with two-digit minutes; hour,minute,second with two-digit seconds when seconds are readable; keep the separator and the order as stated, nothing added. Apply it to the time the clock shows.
9,11
